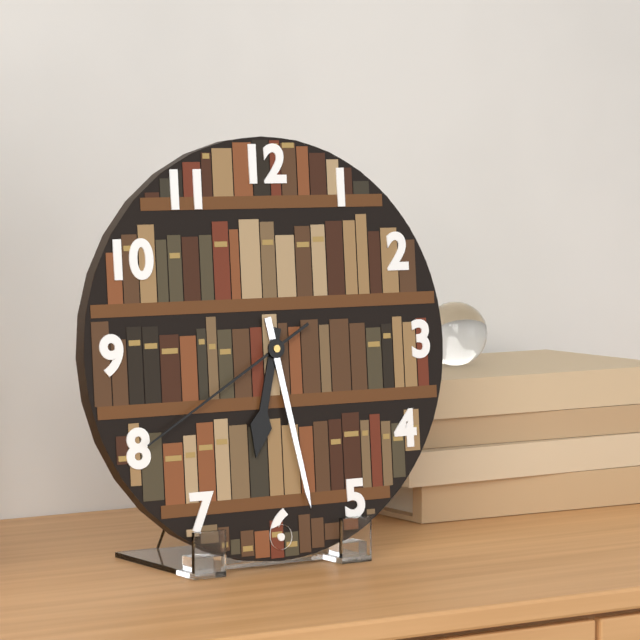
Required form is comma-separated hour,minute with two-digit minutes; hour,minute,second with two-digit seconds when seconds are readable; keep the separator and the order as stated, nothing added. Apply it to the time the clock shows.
6,28,40
